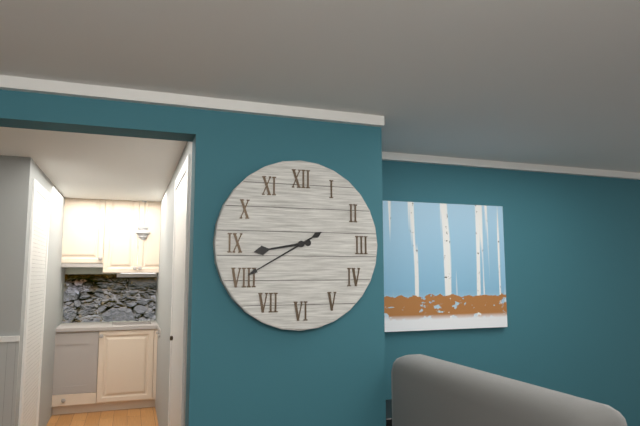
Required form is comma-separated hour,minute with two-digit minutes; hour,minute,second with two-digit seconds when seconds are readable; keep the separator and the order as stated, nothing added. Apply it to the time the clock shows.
8,40
